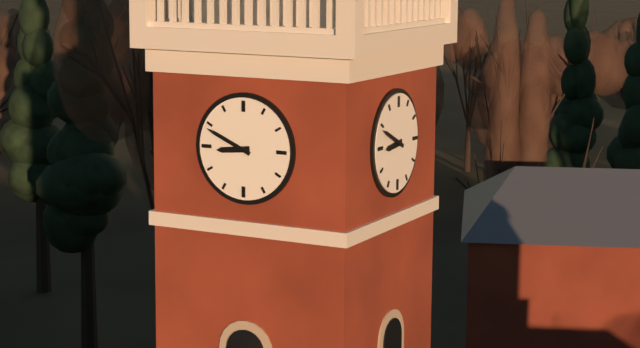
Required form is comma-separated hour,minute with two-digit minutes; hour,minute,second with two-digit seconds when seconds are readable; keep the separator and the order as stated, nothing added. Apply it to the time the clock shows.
8,49
